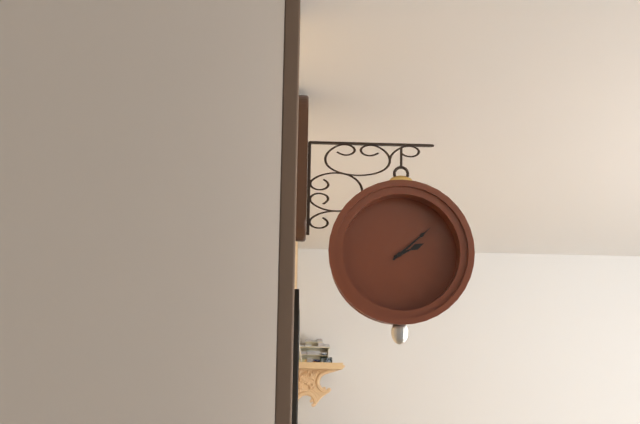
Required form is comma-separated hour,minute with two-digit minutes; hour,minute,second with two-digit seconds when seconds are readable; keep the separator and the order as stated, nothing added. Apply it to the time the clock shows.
2,08
